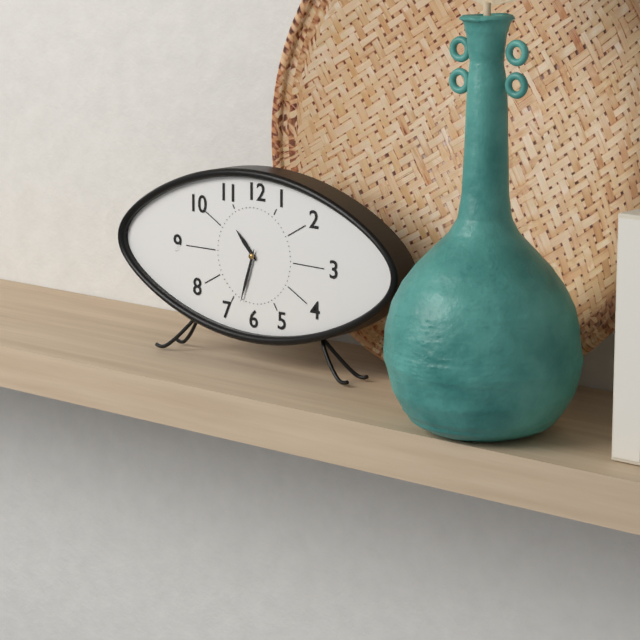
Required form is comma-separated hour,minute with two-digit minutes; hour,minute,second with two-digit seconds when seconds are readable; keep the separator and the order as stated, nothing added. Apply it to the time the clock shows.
10,33
